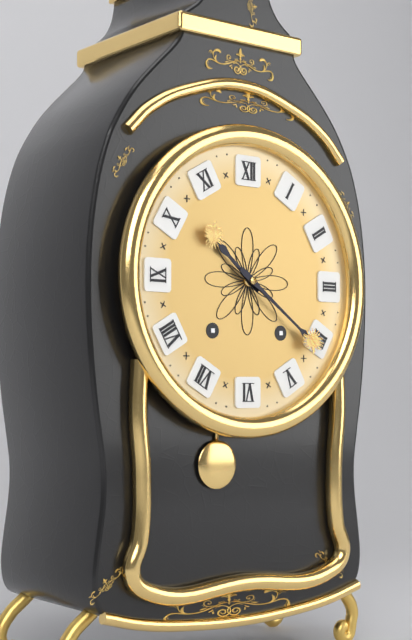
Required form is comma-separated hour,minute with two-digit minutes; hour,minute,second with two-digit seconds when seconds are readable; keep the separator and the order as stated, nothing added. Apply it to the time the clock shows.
10,21
